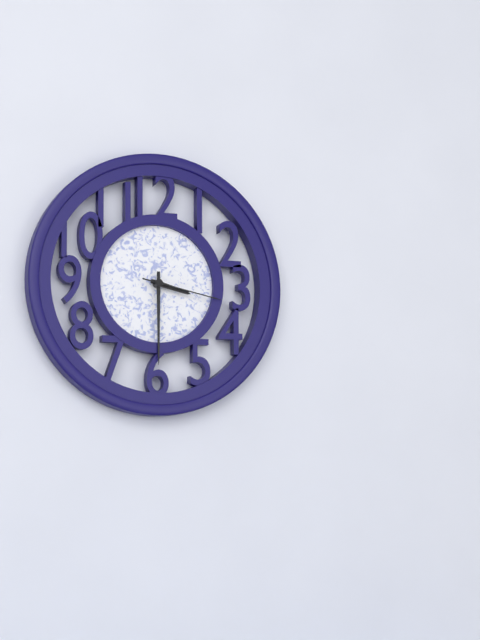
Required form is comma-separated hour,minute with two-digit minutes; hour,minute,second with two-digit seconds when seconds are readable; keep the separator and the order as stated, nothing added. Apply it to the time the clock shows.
3,30,17
